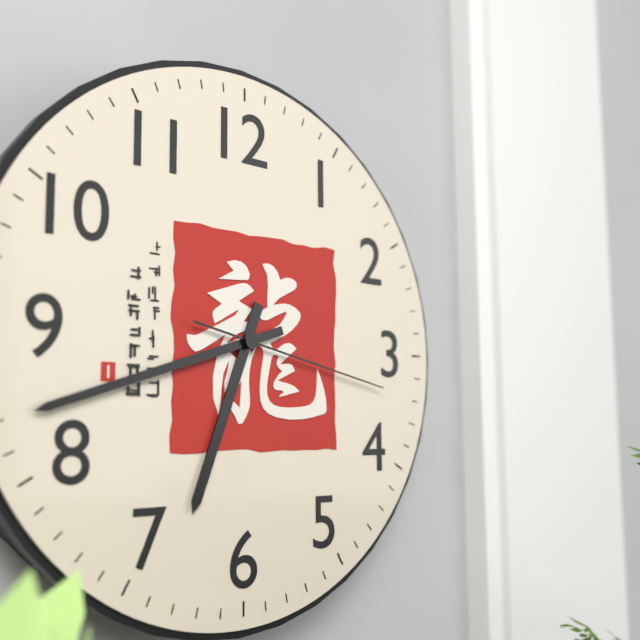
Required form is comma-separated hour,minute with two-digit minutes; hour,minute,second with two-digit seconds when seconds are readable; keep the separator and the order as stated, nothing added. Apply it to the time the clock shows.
6,42,17
